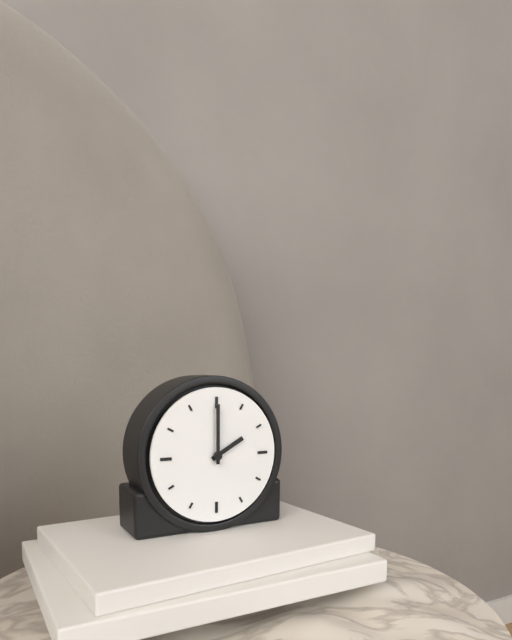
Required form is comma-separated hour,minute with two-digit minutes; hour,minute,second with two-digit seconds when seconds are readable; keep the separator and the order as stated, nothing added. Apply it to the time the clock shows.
2,00
